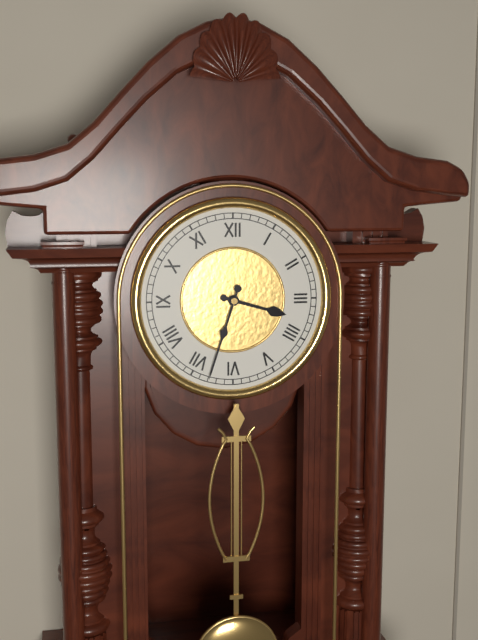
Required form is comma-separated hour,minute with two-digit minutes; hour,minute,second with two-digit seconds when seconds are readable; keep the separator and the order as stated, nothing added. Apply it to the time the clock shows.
3,33
